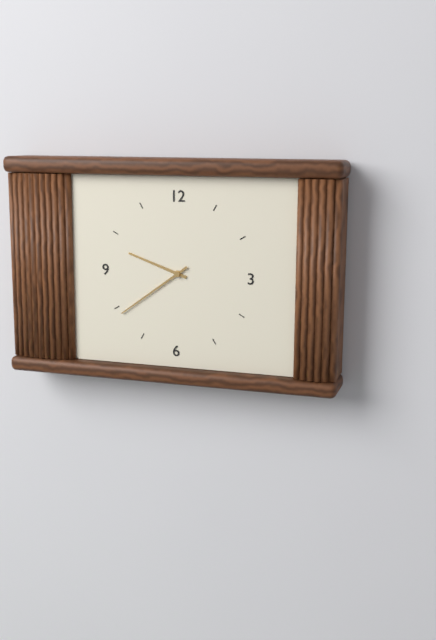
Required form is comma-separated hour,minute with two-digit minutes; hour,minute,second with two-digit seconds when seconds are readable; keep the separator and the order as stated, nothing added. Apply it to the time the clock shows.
9,39
